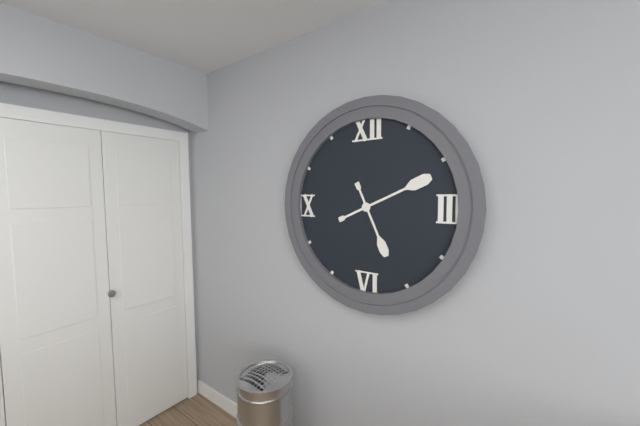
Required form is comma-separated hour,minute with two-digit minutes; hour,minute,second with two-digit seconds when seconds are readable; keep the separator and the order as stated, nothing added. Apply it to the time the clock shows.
5,11
